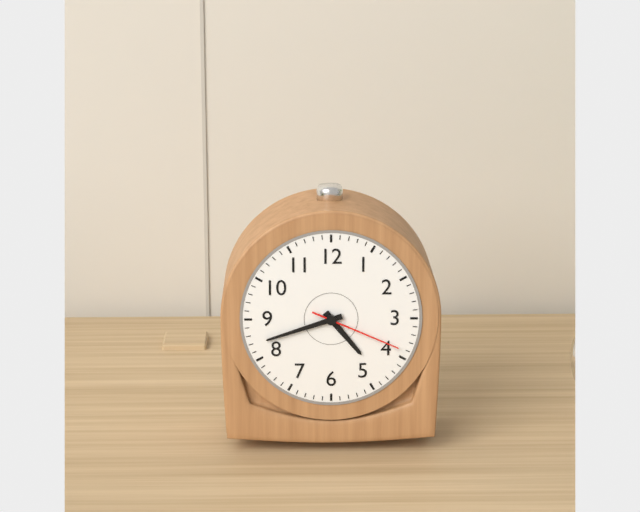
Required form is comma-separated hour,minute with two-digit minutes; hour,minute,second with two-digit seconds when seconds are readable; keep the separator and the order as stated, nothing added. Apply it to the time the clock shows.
4,42,19
